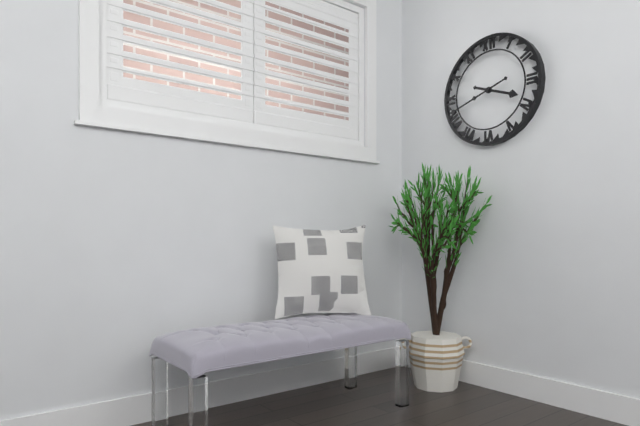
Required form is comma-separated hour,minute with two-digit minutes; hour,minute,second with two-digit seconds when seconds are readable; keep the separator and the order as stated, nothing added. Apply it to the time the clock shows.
3,42
